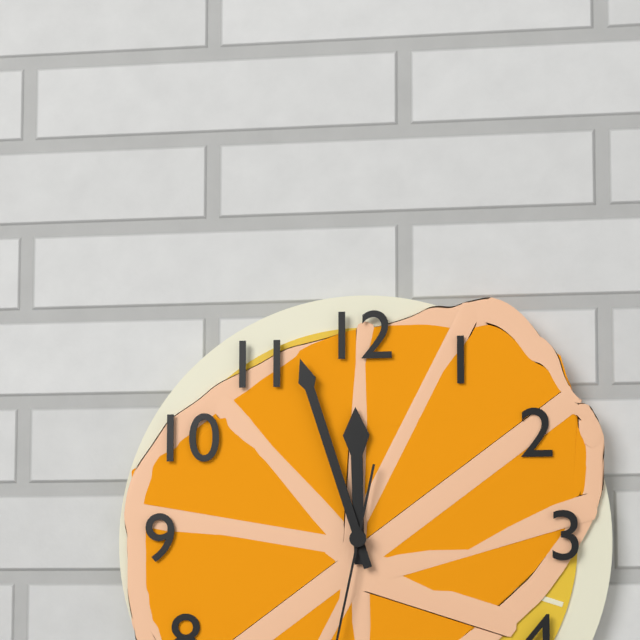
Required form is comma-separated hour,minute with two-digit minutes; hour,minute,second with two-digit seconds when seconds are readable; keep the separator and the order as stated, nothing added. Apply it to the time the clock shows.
11,57
